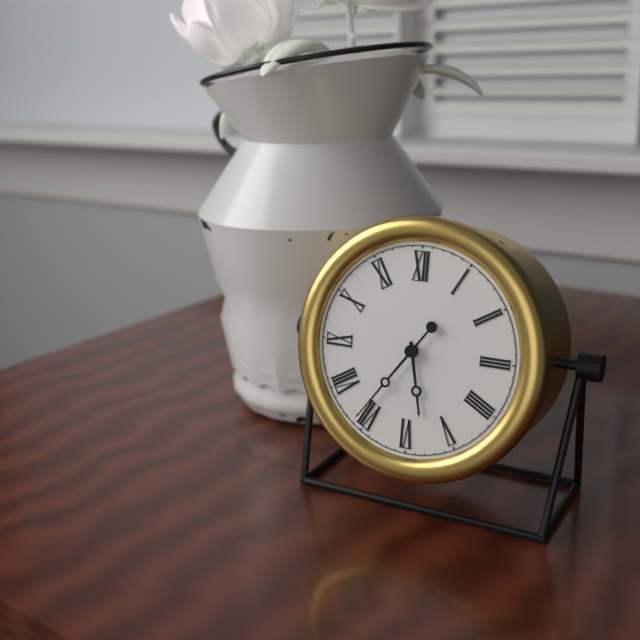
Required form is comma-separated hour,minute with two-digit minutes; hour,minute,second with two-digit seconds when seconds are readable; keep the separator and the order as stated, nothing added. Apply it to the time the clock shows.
5,36
